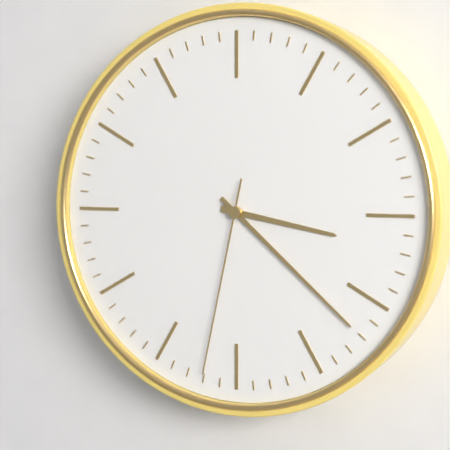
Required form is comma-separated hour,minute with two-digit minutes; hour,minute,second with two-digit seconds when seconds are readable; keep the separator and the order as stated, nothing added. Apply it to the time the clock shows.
3,22,32
